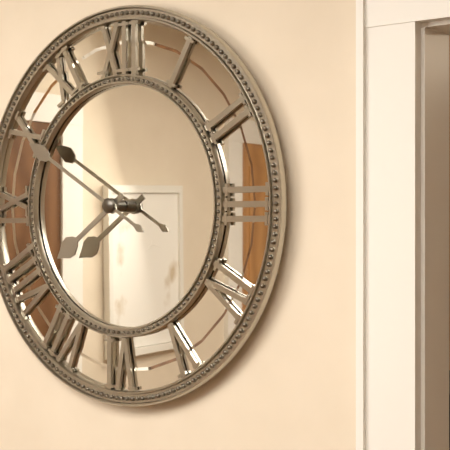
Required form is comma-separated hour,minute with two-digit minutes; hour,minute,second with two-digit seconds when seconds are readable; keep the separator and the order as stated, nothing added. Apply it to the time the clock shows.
7,50
